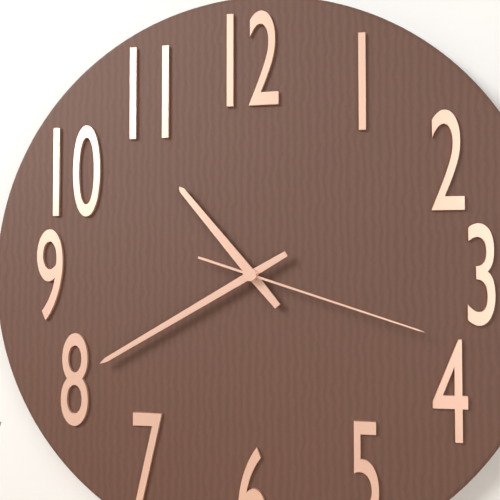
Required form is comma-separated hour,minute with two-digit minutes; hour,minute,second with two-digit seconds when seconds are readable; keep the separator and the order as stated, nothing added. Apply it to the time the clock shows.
10,40,18
